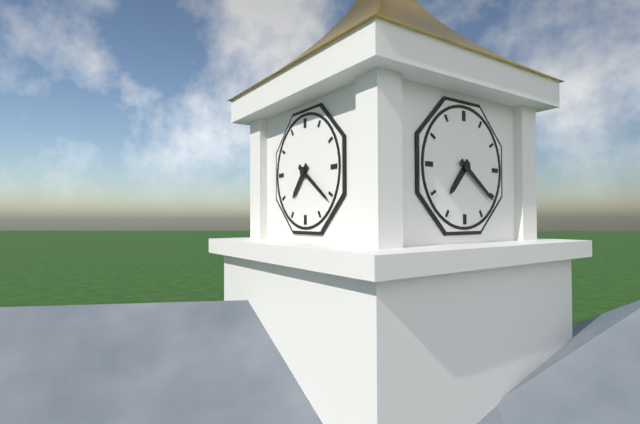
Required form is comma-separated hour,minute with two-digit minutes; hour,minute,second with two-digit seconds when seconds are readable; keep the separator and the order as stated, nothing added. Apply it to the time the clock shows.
7,21
